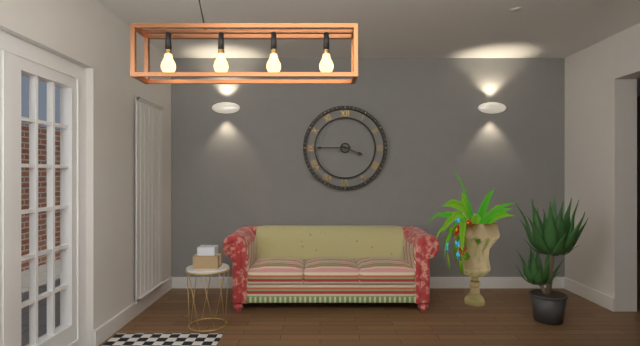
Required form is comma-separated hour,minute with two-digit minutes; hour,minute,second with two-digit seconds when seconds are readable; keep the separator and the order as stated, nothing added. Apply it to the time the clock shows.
3,45
